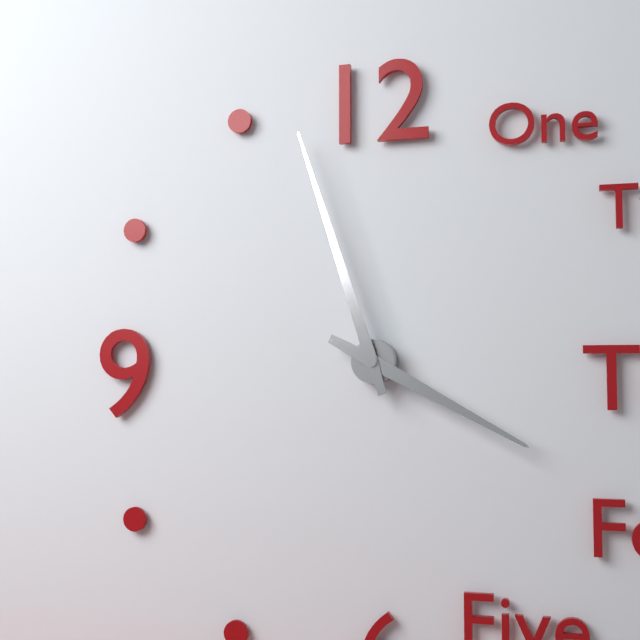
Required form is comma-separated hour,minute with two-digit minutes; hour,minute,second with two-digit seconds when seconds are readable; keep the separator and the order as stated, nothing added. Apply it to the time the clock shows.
3,57
